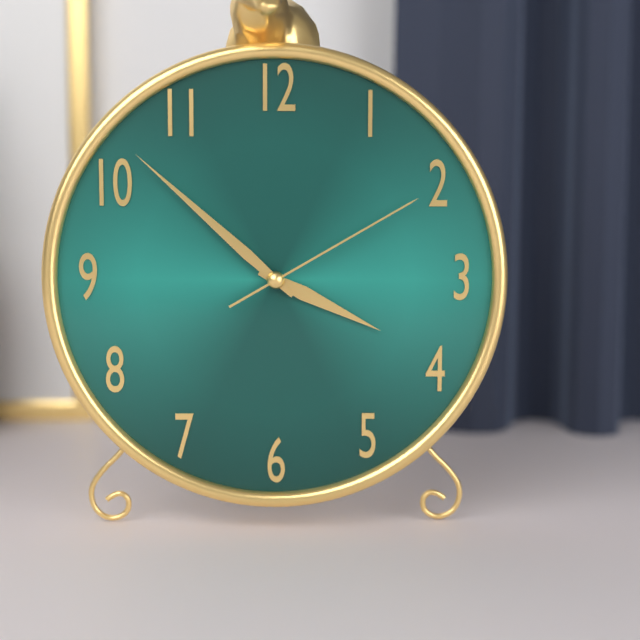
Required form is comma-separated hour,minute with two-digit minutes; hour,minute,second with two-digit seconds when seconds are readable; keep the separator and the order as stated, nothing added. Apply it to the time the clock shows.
3,52,10
